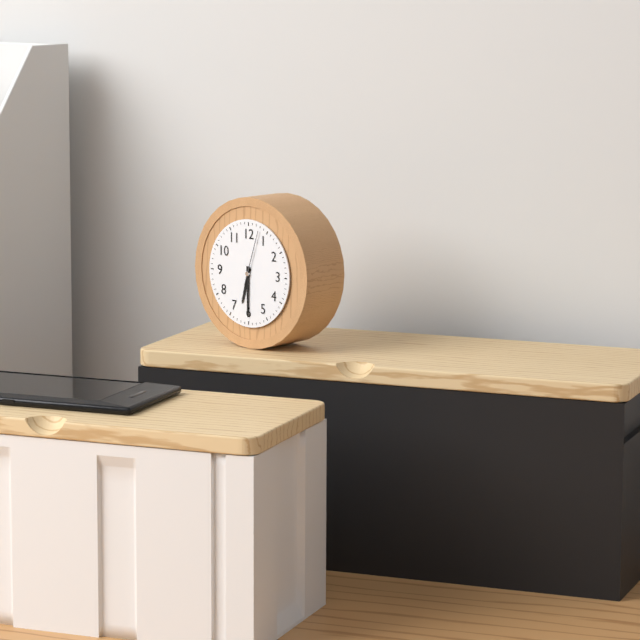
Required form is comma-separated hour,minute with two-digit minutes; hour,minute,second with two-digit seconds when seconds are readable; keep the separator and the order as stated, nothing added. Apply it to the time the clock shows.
6,30,03
